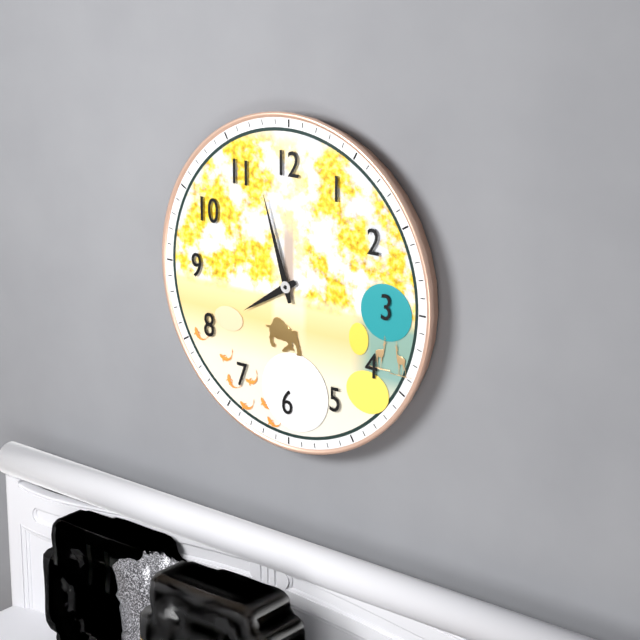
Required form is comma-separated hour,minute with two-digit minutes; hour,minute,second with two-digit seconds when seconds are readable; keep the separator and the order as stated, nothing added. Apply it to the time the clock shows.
7,57
